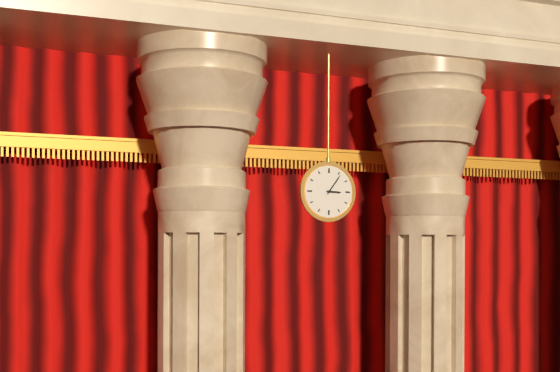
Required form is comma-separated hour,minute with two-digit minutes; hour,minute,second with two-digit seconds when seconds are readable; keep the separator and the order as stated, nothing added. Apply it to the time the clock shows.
3,06
